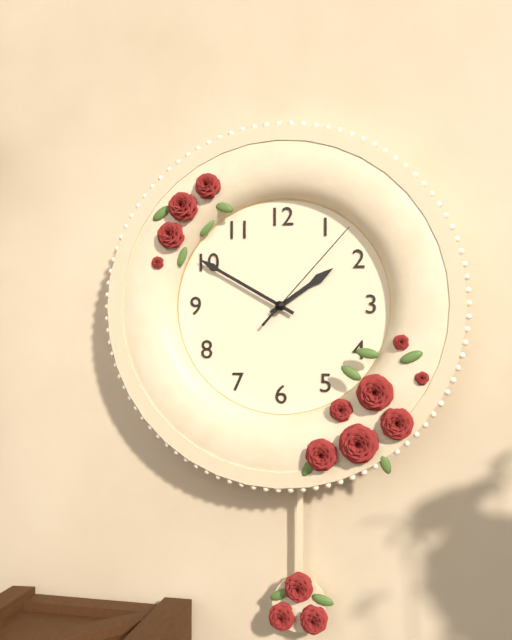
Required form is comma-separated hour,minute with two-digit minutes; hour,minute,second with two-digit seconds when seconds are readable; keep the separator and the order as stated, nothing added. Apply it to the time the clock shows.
1,50,07
